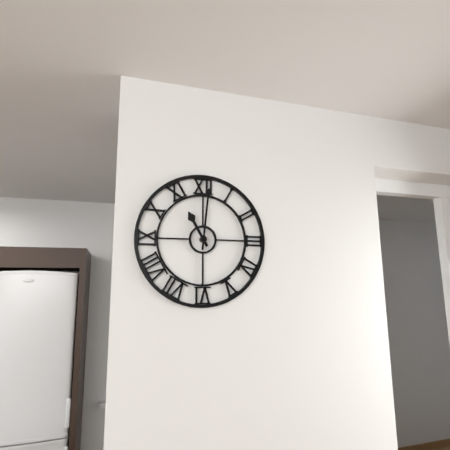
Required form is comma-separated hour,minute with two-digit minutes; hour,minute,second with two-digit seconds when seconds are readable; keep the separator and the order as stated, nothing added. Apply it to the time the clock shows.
11,01
